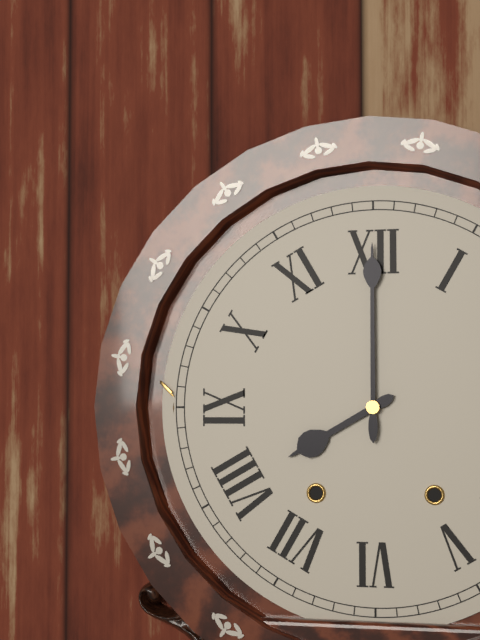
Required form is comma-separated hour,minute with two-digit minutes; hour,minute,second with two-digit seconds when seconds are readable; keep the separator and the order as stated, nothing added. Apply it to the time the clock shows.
8,00
